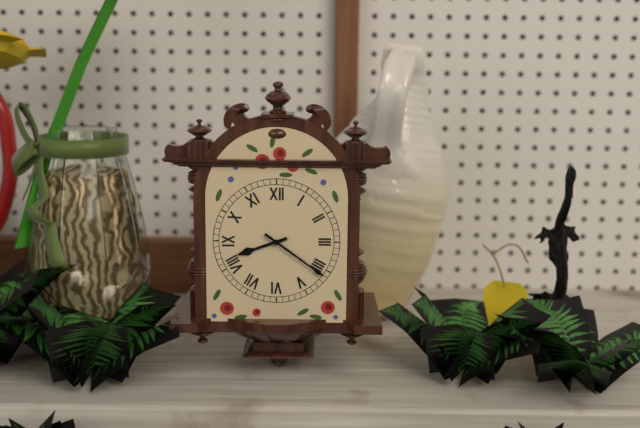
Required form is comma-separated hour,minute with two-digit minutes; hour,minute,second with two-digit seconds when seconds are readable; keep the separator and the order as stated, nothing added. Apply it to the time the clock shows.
8,21
